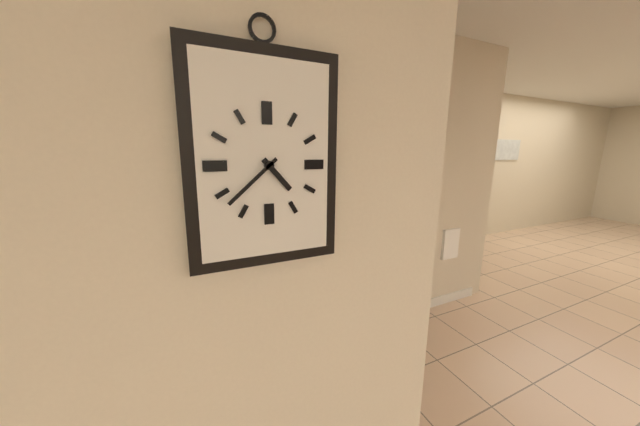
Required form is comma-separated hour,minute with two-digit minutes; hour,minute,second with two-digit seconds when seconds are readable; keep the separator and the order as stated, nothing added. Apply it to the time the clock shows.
4,38
